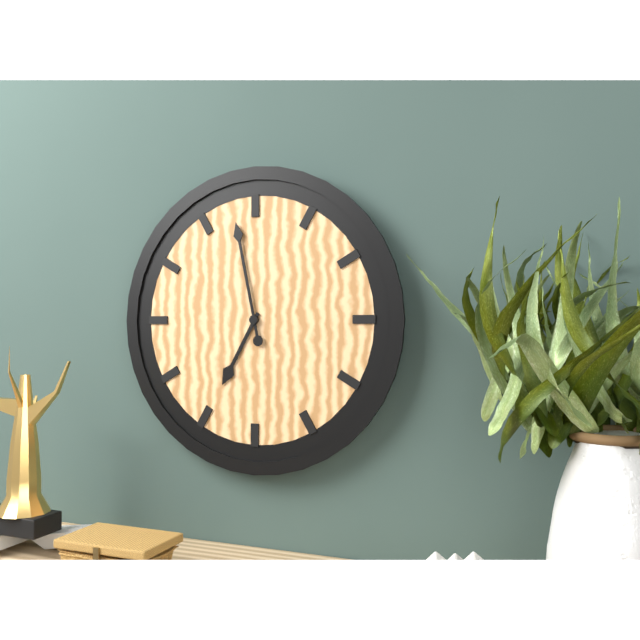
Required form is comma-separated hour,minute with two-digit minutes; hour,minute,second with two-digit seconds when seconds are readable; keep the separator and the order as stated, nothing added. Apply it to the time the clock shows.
6,58
